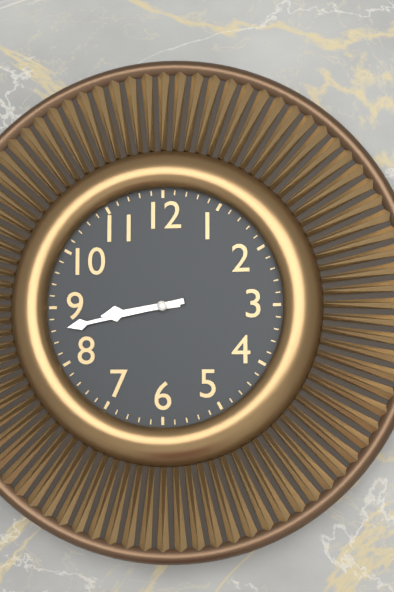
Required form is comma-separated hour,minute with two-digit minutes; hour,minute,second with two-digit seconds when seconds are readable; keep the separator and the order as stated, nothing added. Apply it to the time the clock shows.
8,43
